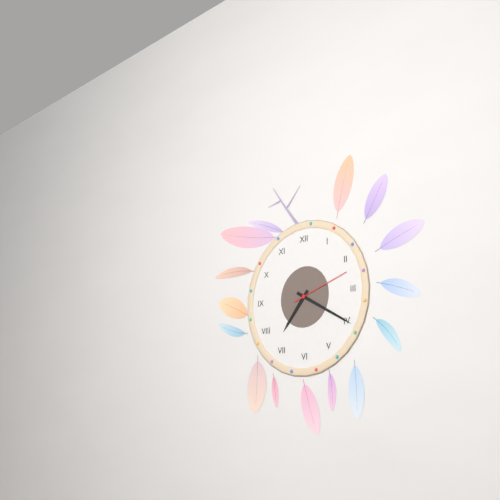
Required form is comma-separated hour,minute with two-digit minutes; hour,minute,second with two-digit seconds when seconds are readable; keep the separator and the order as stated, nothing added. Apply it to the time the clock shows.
7,20,12
